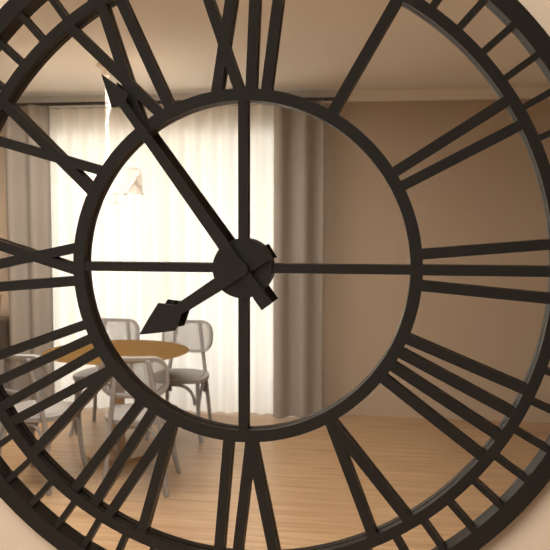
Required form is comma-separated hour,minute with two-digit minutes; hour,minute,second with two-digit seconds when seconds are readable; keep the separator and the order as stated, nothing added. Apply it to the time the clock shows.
7,54
